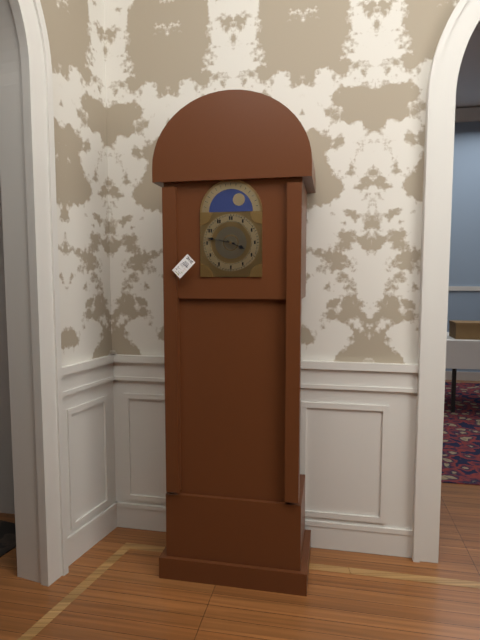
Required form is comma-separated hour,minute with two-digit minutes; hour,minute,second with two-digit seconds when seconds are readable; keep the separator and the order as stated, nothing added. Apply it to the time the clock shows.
3,47
